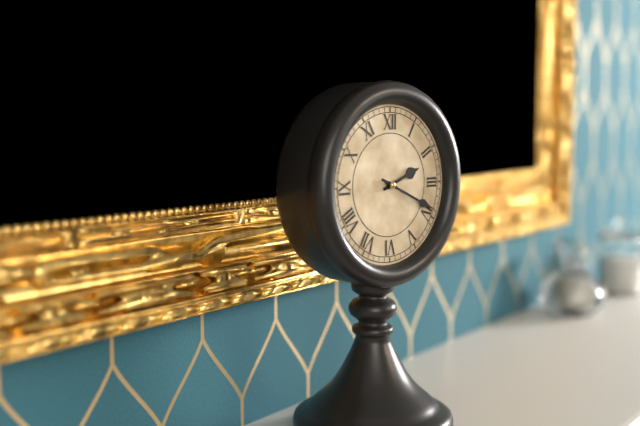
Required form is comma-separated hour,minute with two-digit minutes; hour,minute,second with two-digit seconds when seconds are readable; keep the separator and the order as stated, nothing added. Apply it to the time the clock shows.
2,19
